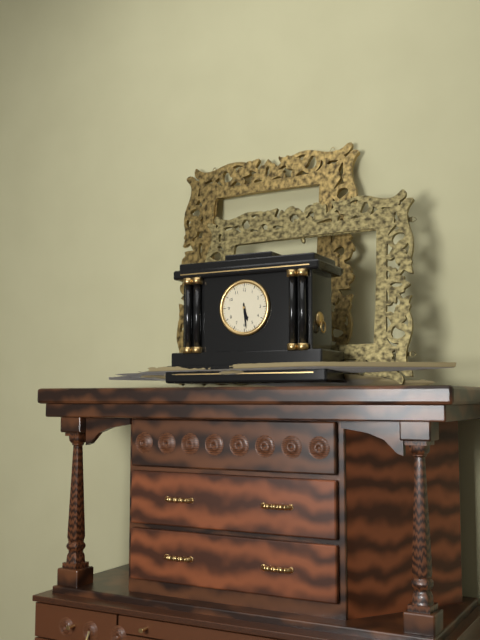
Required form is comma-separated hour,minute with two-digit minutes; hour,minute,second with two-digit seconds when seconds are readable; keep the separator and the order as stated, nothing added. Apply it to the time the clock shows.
5,29
